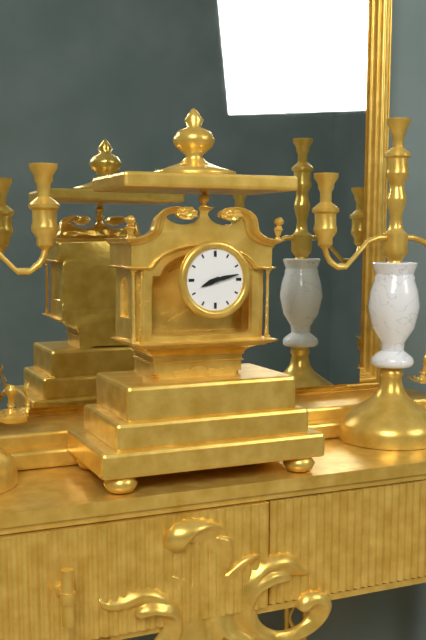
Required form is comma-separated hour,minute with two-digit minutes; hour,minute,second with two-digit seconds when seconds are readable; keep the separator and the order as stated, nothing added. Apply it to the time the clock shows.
8,13
